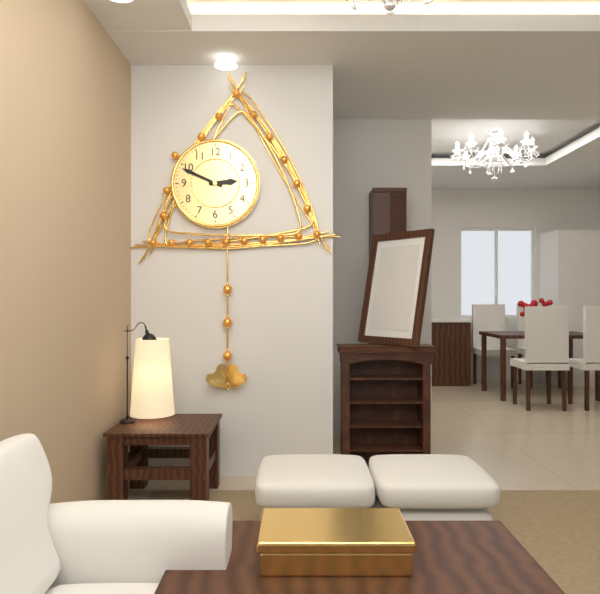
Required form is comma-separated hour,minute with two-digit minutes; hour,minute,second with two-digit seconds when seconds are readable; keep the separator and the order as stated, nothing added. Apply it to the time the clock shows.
2,49
